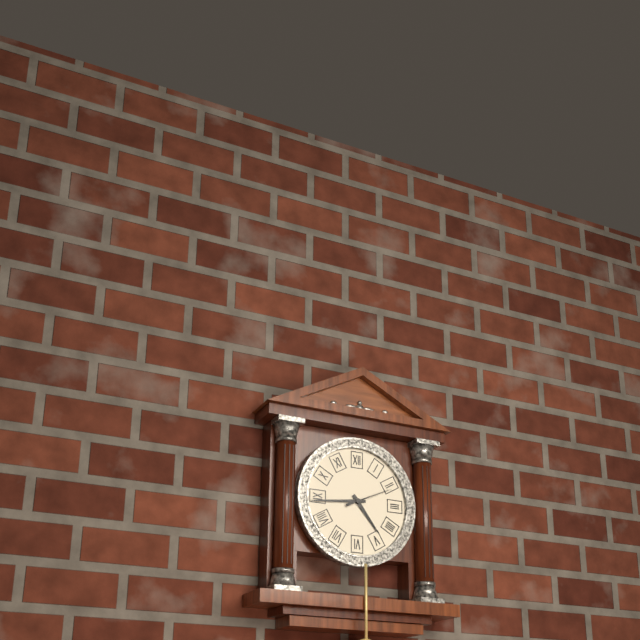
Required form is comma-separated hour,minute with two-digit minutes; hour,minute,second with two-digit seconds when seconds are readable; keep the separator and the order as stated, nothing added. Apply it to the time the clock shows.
4,44
